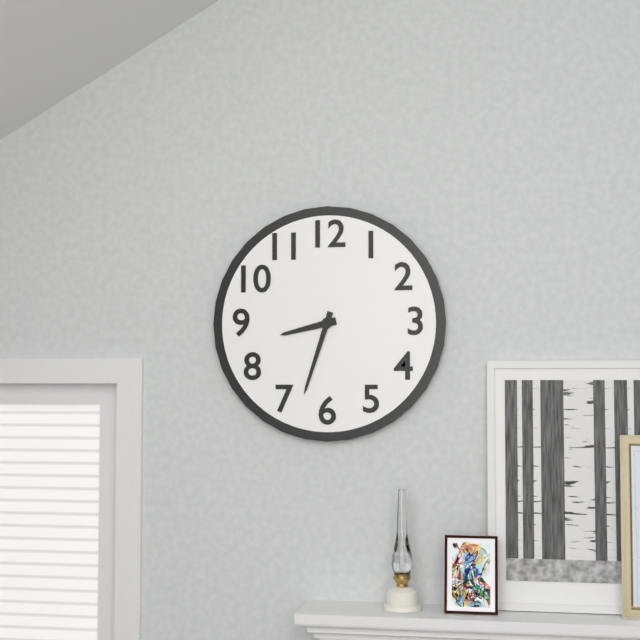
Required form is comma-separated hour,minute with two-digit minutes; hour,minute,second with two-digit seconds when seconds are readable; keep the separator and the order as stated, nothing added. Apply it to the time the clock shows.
8,33
